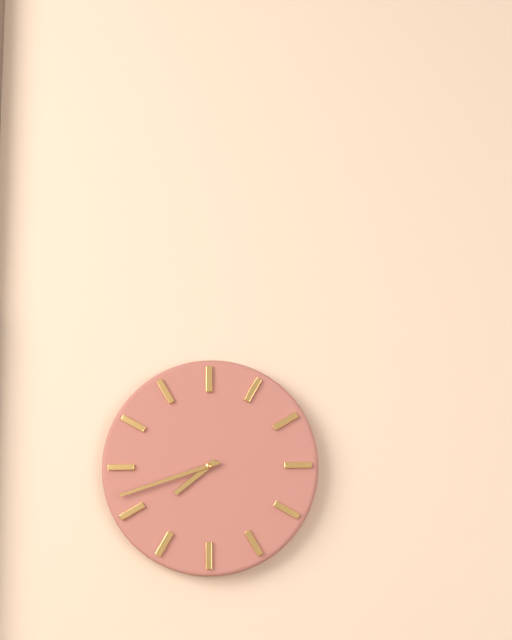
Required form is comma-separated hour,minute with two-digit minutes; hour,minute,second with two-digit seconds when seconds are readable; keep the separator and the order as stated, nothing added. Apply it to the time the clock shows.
7,42
